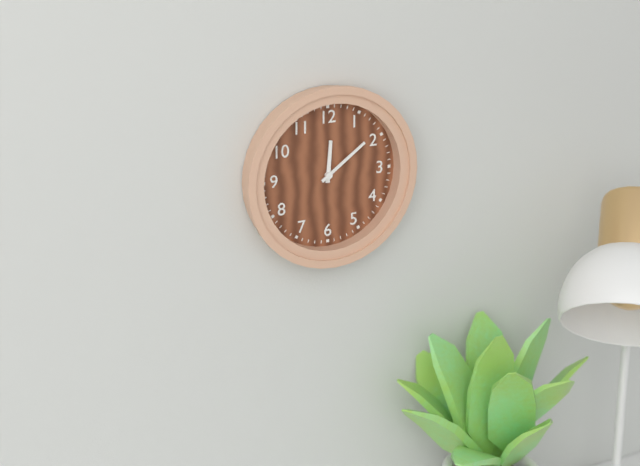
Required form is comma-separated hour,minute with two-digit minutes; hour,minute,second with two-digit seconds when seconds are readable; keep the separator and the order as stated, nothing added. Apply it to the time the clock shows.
12,09
